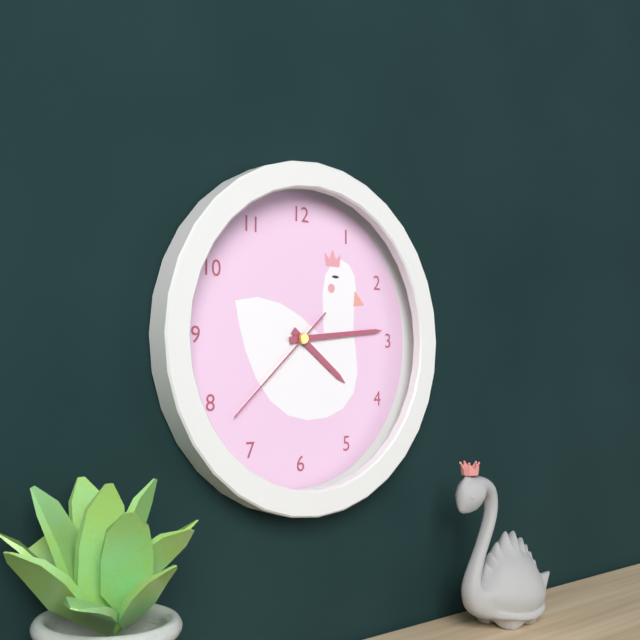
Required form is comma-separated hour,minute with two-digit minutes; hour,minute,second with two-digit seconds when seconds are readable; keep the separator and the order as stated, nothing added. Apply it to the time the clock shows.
4,14,38
